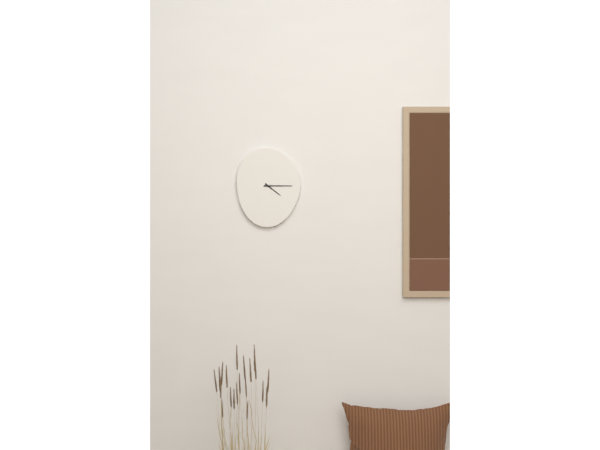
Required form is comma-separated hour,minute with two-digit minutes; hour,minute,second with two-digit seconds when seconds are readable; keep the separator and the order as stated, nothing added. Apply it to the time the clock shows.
4,15
